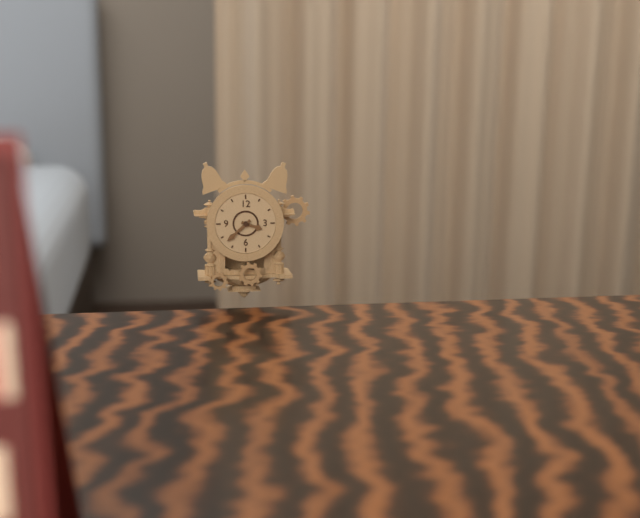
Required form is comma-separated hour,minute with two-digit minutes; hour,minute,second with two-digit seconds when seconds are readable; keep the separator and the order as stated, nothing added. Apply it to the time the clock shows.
3,38
